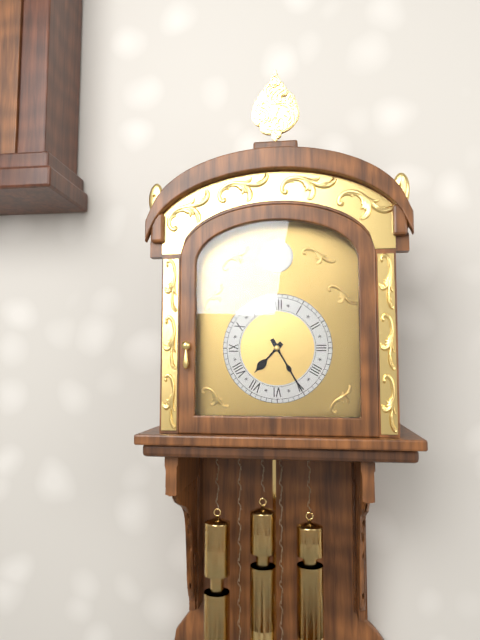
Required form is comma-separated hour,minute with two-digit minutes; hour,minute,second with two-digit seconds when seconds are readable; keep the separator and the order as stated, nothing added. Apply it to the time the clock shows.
7,25
